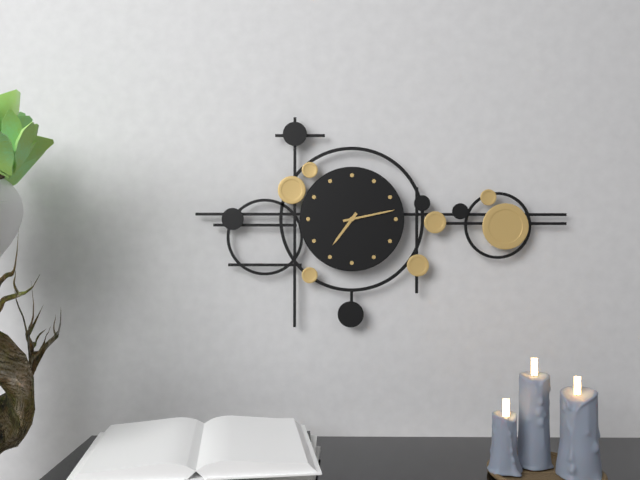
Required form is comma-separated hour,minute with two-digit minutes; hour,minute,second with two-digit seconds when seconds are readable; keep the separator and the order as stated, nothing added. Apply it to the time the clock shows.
7,13
